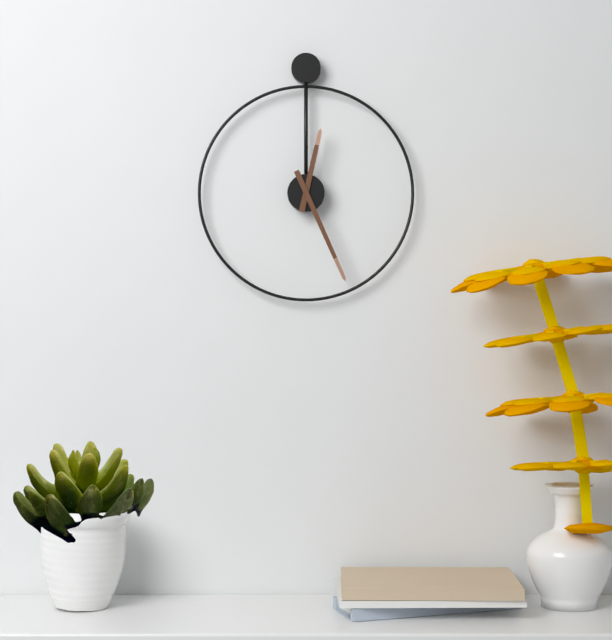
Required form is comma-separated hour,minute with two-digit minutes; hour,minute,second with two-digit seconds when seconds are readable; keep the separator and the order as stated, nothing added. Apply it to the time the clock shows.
12,26
